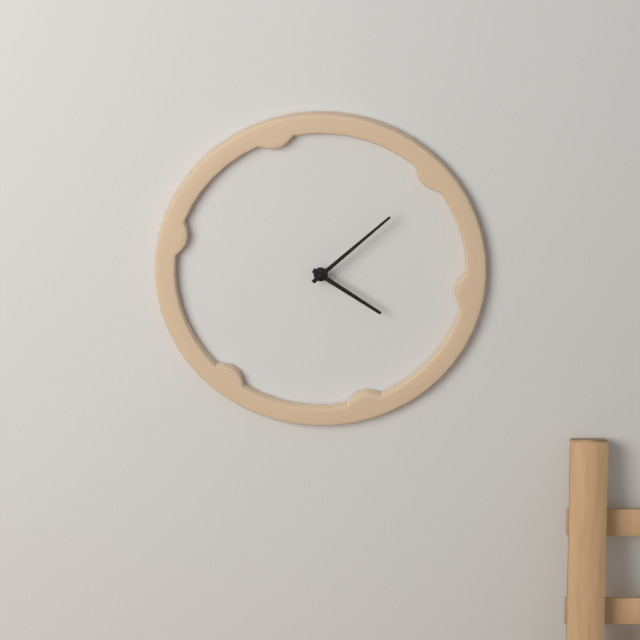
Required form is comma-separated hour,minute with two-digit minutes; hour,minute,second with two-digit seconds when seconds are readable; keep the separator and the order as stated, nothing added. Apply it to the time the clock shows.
4,08
